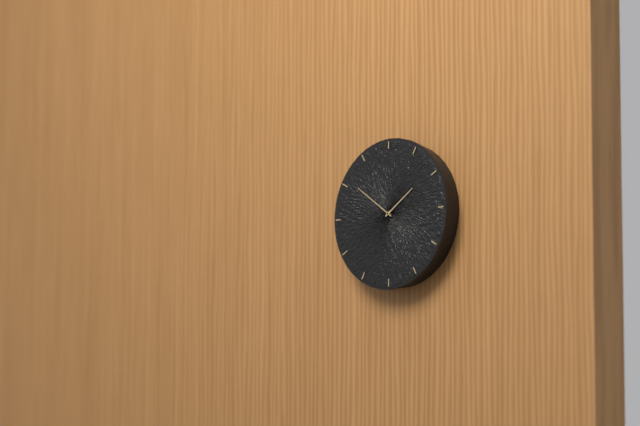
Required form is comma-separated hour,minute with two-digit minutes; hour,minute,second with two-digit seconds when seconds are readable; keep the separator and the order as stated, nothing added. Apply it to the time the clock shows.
1,51
